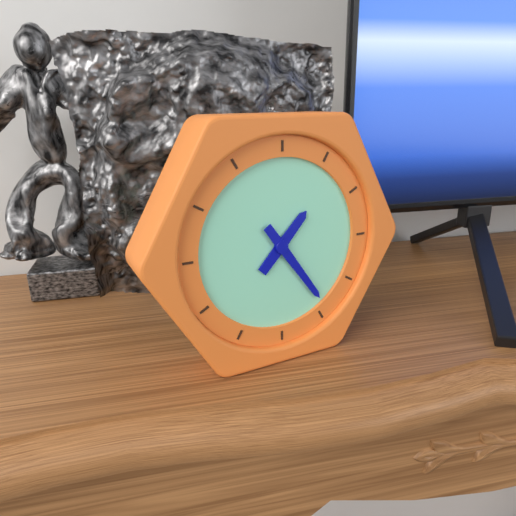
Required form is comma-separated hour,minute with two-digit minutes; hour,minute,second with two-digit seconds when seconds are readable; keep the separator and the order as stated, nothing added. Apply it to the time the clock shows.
1,24
